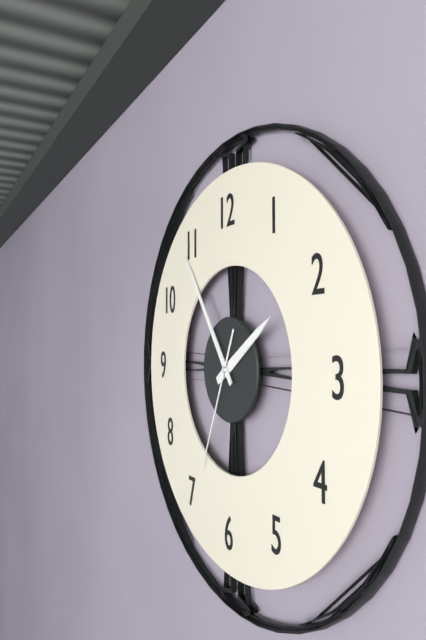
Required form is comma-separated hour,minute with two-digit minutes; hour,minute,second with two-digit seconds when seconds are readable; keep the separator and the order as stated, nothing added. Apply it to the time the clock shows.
1,54,34
